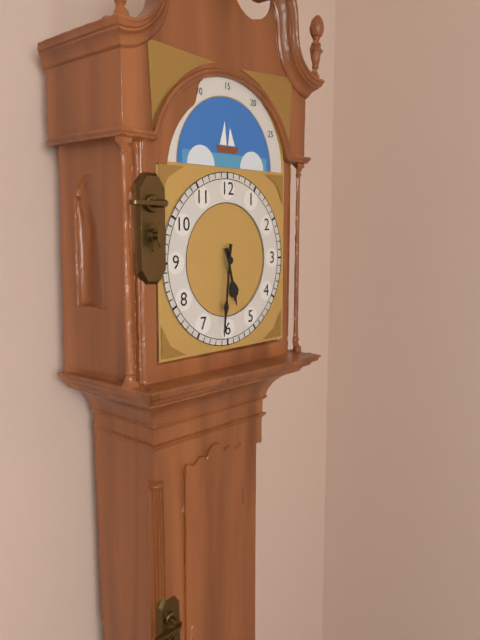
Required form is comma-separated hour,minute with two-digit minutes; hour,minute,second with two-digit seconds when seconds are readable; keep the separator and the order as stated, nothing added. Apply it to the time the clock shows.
5,31
